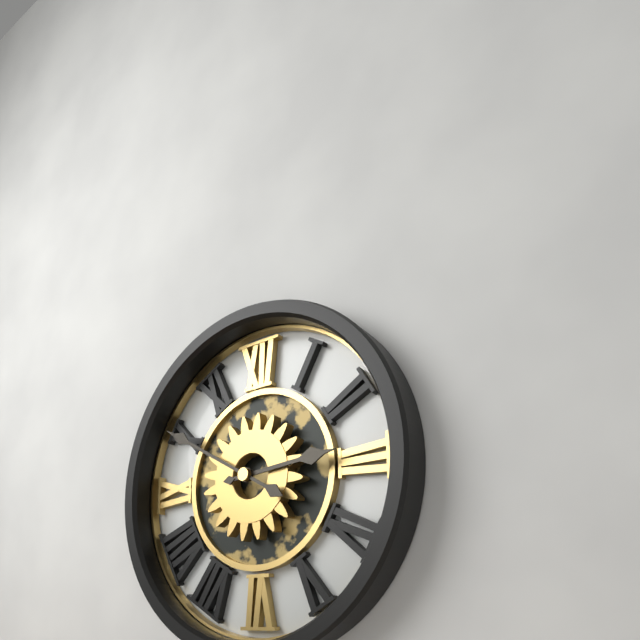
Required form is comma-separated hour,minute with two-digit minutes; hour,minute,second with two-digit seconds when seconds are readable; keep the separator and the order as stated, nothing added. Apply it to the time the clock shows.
2,50
